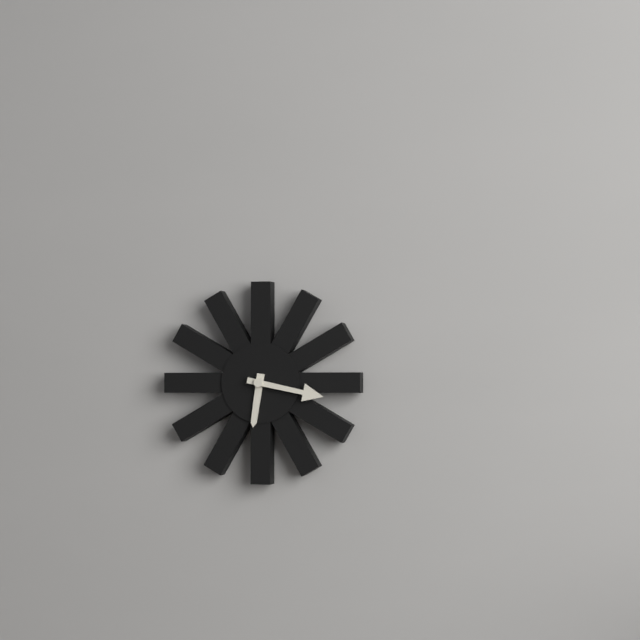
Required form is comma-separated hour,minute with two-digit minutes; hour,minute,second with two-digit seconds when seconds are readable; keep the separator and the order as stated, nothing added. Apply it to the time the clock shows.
6,17
